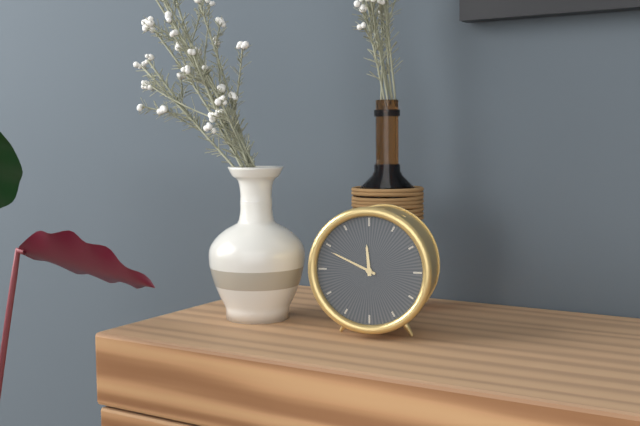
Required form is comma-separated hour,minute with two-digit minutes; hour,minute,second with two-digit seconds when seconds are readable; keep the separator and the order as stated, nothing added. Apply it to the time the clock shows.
11,49
